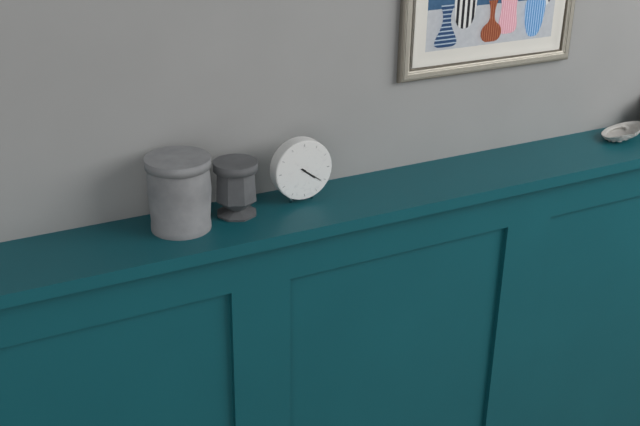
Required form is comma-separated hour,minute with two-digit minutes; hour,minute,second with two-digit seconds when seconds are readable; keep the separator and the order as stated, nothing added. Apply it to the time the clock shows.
4,21
